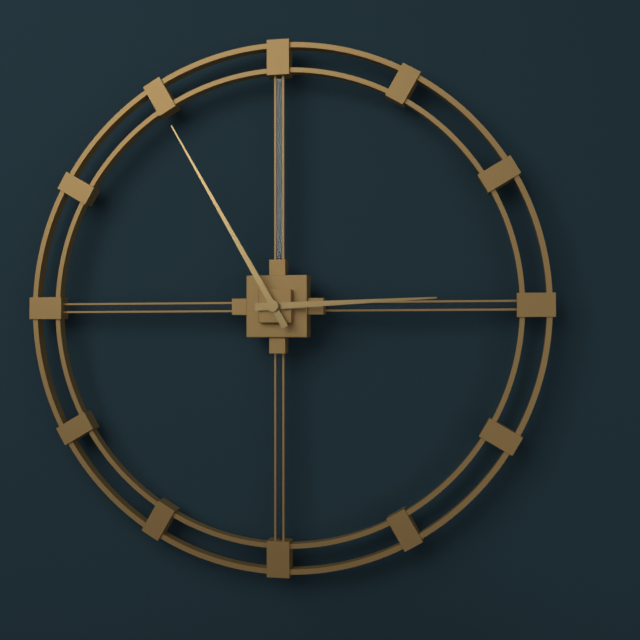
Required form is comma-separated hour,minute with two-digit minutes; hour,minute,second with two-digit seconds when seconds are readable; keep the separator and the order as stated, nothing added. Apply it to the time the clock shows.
2,55
